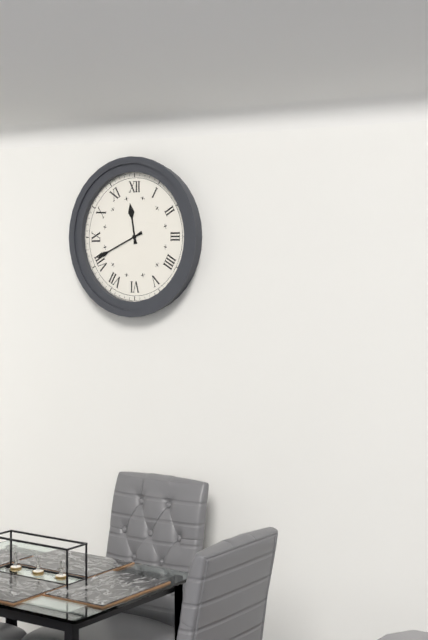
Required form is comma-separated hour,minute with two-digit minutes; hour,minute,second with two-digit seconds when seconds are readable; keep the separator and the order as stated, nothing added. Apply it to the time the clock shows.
11,41
